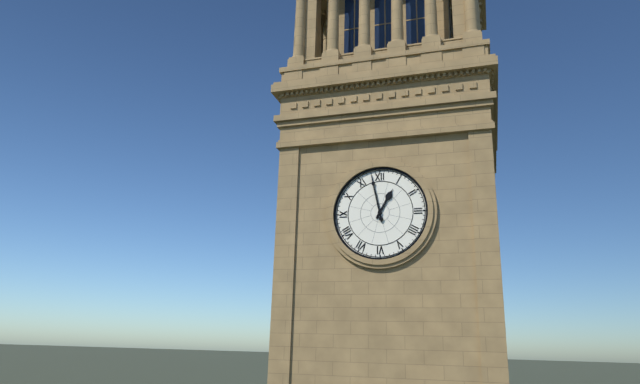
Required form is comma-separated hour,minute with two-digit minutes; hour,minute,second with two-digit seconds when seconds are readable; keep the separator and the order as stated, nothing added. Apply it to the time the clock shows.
12,58
